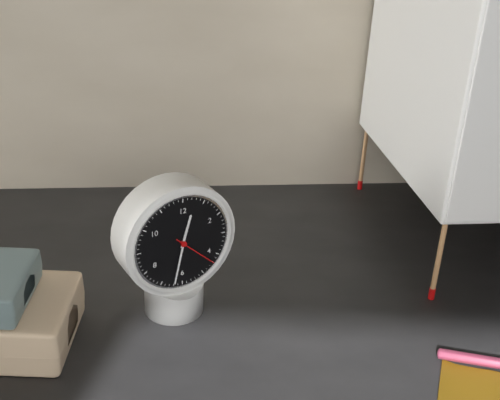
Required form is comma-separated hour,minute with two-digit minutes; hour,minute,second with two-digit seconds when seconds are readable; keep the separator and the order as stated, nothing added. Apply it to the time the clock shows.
12,32
